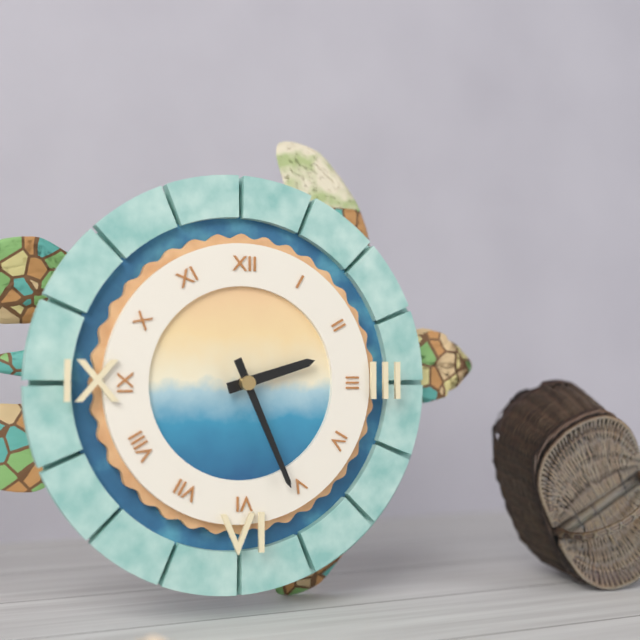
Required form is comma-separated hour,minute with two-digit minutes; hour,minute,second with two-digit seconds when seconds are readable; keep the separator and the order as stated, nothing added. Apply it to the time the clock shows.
2,26
